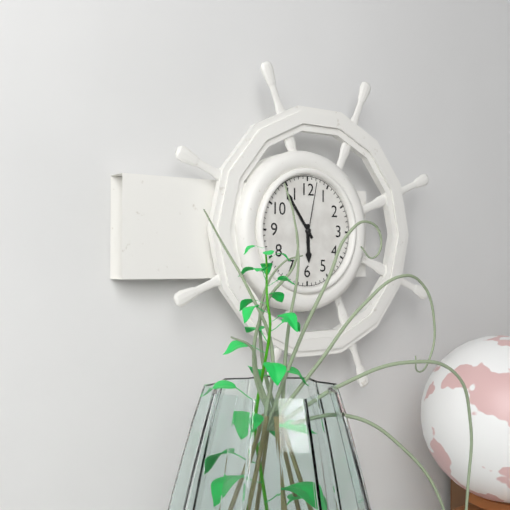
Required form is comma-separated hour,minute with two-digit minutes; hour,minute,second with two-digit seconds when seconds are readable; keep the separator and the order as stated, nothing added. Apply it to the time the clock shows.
5,54,02
